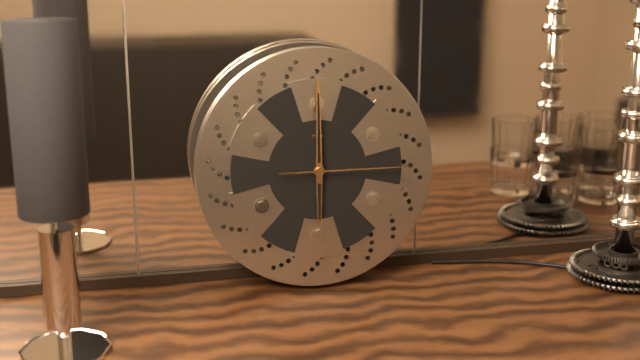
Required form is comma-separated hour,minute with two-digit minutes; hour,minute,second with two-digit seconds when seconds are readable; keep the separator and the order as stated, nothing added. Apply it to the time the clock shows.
6,00,15
